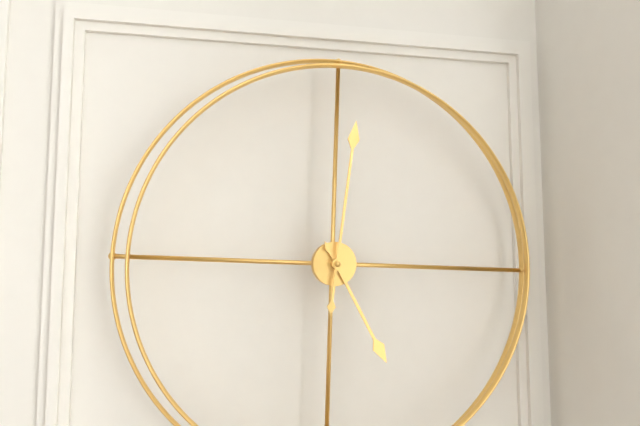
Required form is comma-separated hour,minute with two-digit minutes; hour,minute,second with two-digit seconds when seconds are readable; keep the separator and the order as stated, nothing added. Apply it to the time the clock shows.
5,01
